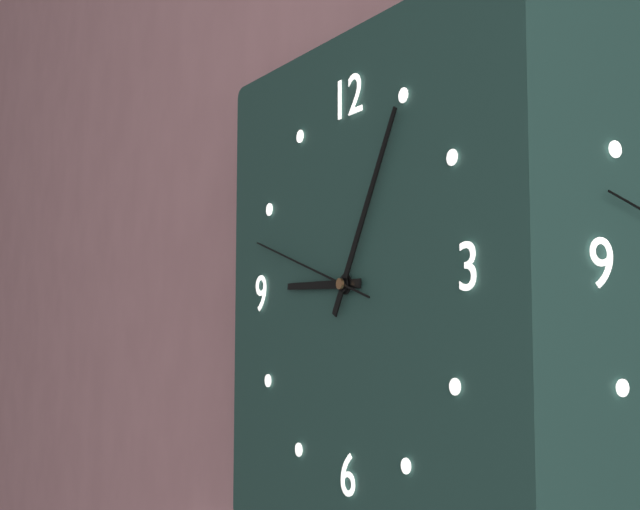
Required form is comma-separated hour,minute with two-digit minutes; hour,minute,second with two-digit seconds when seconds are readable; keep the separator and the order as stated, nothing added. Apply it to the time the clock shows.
9,05,48
